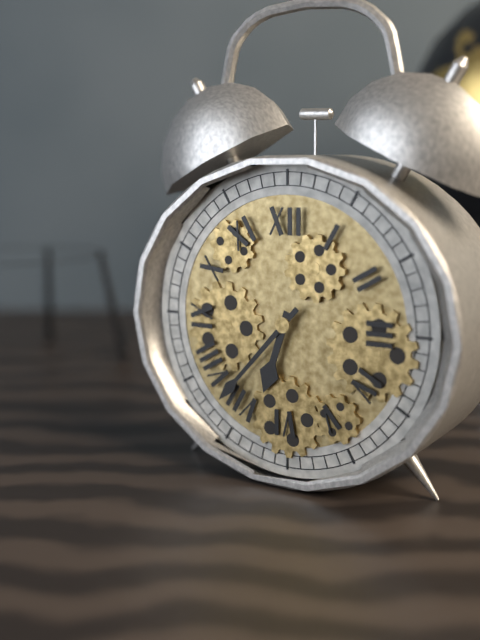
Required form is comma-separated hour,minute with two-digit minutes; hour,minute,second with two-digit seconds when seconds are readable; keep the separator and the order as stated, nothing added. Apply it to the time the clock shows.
6,37
